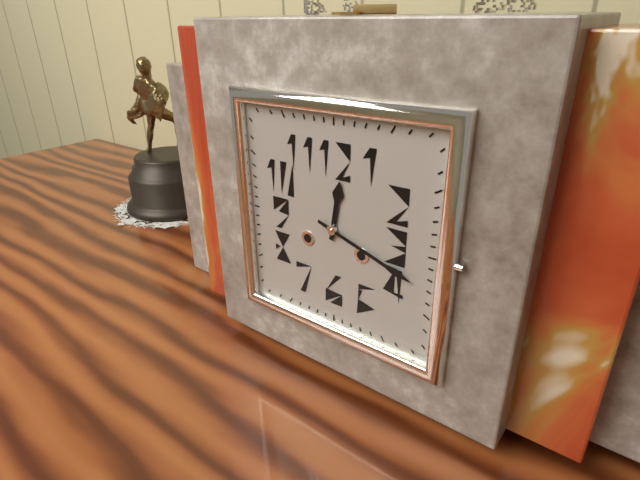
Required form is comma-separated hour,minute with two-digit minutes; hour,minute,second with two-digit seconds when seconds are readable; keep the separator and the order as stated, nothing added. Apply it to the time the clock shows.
12,18
